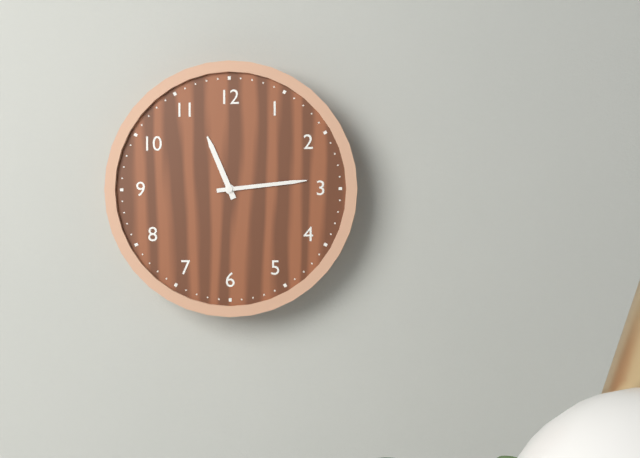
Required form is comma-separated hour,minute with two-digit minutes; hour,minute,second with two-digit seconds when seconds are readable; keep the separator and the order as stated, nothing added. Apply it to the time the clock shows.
11,14
